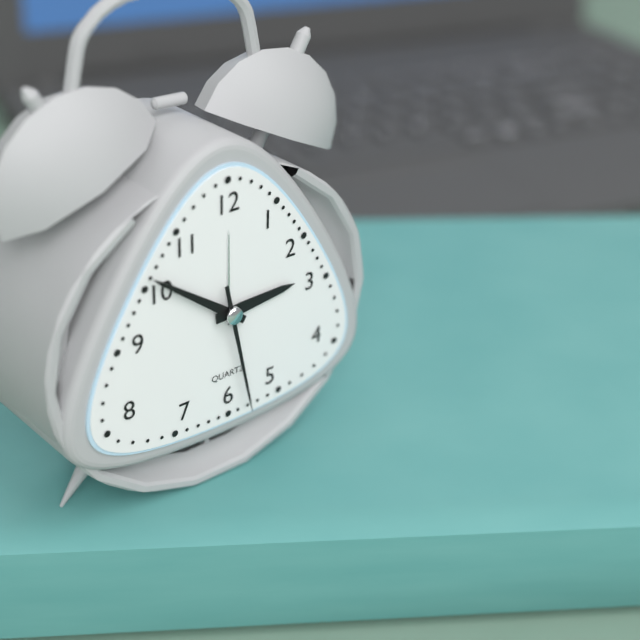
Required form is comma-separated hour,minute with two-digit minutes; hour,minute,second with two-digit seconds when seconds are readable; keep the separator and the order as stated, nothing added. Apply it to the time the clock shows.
2,51,28
